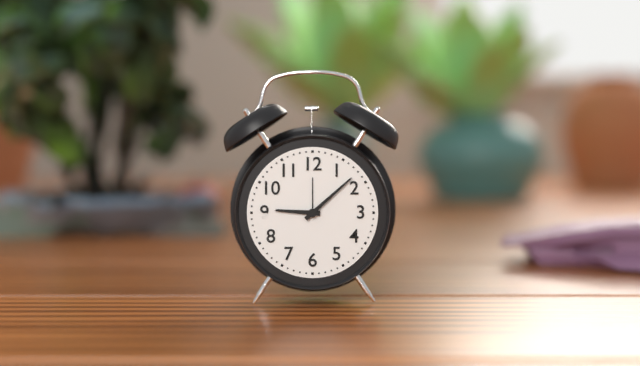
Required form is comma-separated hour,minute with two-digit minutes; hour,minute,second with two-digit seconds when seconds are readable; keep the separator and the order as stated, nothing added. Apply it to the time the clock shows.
9,08
